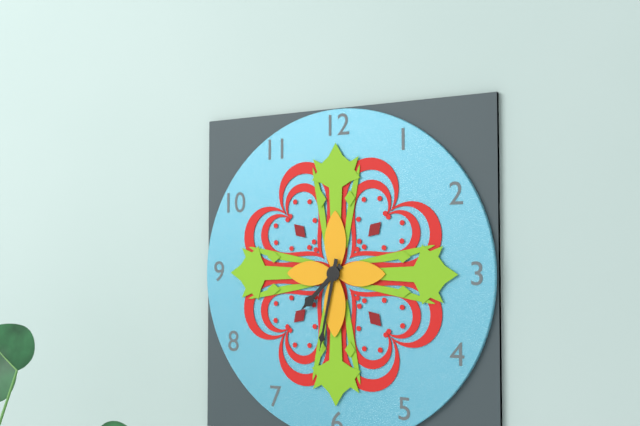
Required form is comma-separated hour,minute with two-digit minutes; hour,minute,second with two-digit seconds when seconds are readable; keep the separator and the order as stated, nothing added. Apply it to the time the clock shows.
7,32
